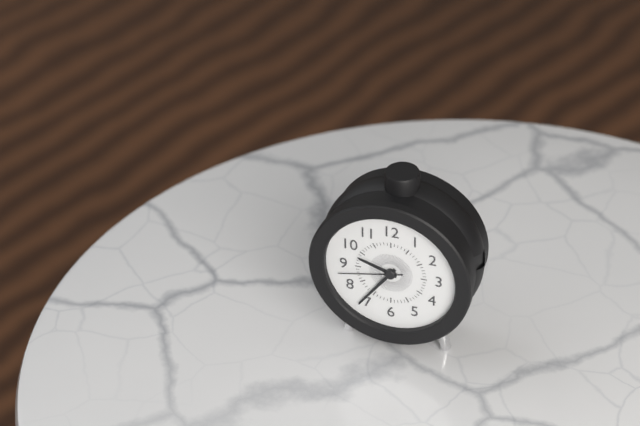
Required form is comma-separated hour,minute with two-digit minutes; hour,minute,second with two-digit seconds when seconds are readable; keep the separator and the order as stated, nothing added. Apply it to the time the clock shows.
9,36,43
